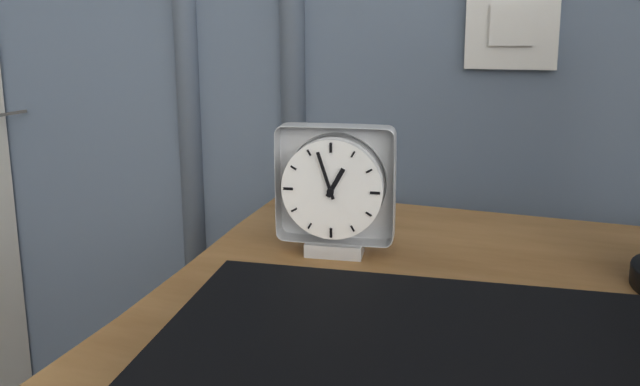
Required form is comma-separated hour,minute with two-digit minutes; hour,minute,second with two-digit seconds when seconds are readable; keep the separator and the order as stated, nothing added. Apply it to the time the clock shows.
12,57
